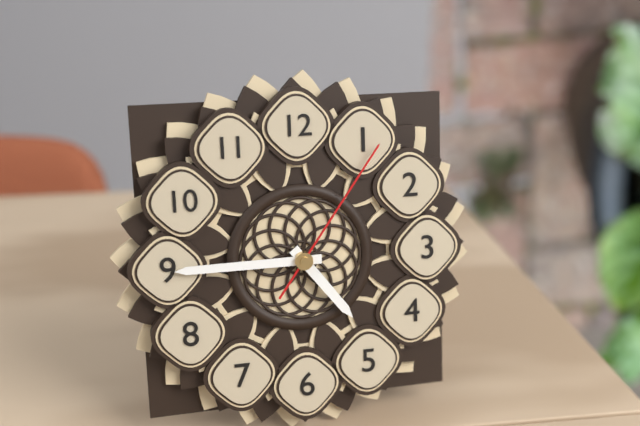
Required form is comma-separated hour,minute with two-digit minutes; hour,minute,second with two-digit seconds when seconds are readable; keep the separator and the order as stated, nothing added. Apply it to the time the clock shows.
4,45,06
